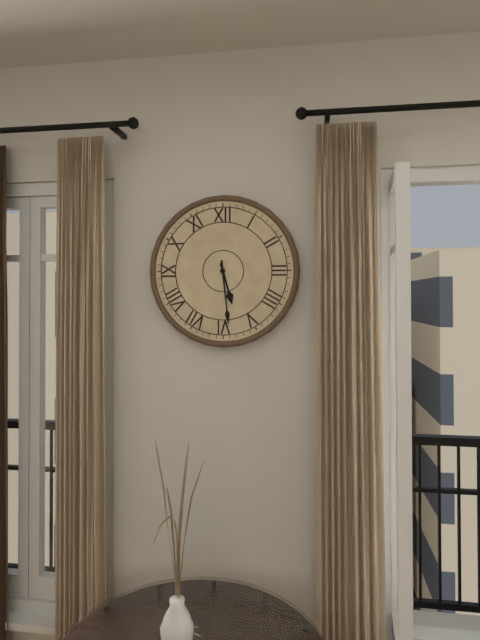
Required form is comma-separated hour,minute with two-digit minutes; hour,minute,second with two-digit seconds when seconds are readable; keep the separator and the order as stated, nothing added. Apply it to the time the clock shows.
5,29
